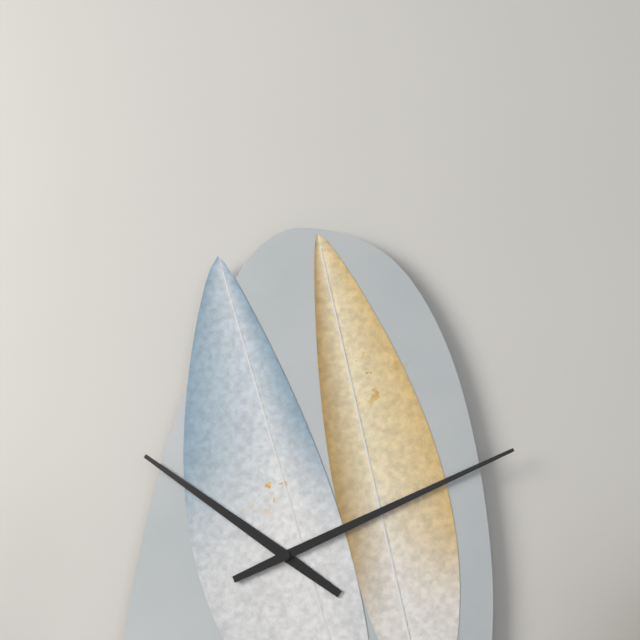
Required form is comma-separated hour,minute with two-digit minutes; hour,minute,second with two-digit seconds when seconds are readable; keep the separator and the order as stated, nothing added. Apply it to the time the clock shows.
10,11
